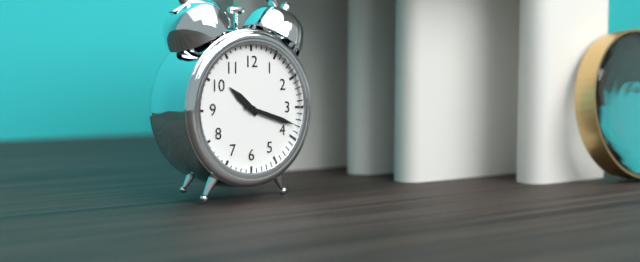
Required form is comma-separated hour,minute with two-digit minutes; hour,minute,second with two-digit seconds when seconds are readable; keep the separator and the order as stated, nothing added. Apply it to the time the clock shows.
10,18
